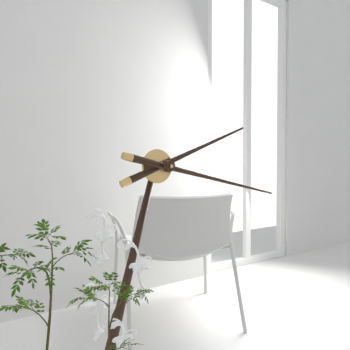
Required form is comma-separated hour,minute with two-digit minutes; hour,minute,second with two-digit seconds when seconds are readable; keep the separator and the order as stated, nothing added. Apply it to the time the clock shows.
2,17
